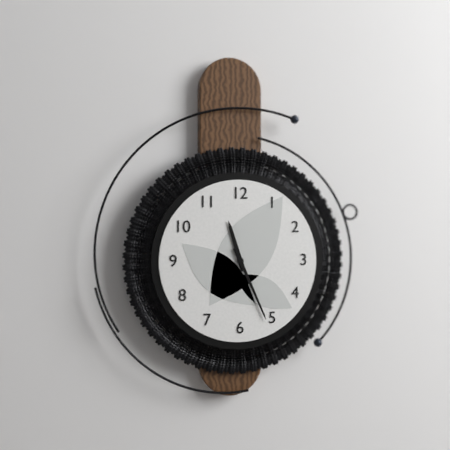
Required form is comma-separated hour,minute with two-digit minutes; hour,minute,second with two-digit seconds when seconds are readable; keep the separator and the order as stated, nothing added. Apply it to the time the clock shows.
11,26
